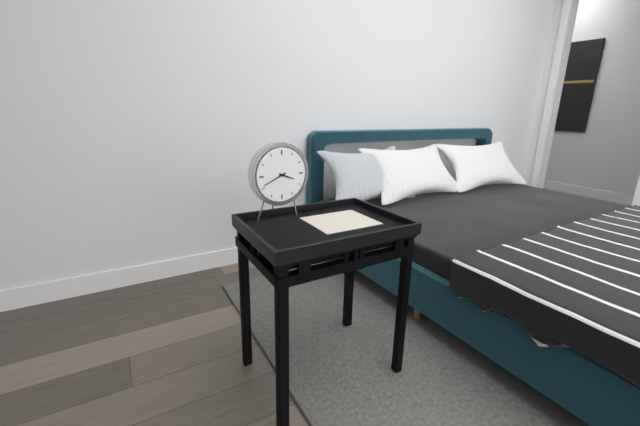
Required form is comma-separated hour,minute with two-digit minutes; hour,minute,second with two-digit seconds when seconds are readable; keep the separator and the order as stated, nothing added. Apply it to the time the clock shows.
3,41
